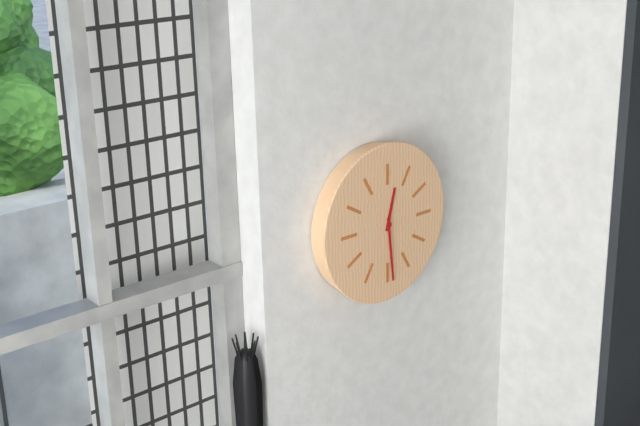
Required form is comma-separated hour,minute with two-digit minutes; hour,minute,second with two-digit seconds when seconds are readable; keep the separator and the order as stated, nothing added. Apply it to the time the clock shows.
12,29
